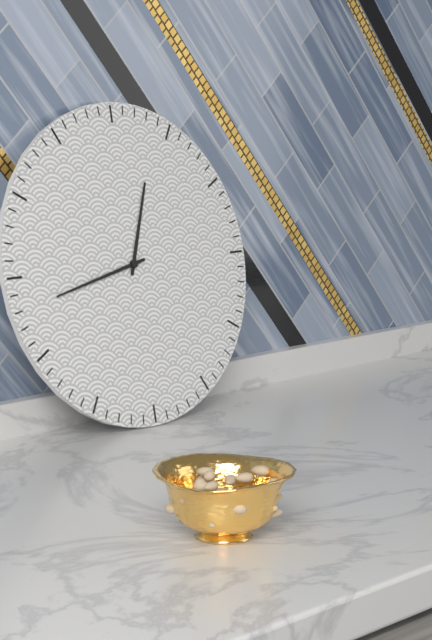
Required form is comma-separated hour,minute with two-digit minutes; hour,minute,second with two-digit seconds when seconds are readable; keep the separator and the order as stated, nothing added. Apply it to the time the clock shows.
12,43
